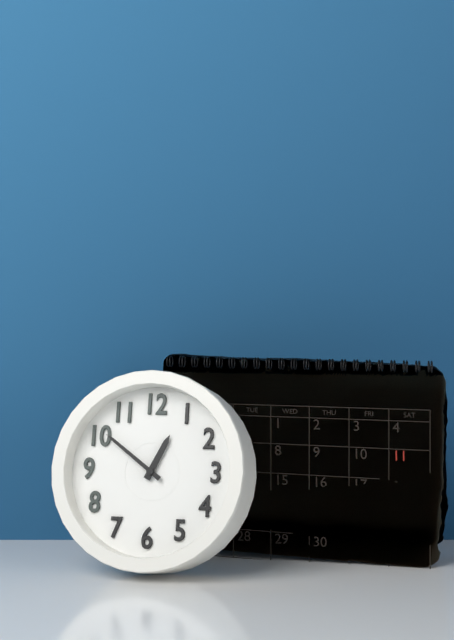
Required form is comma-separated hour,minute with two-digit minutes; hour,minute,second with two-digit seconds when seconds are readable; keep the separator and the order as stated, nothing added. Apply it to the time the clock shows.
12,51
